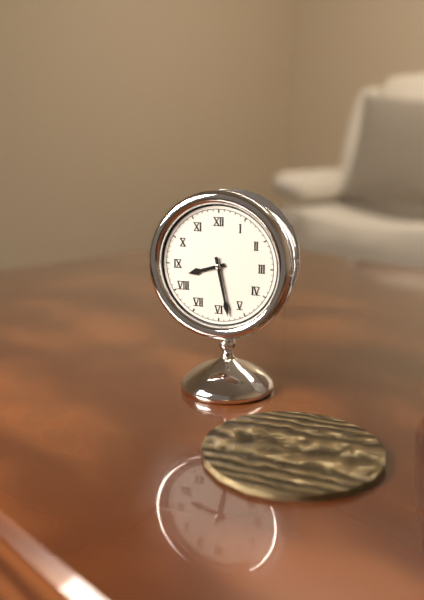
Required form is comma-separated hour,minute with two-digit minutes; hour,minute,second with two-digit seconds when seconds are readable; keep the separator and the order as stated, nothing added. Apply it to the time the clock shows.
8,28
